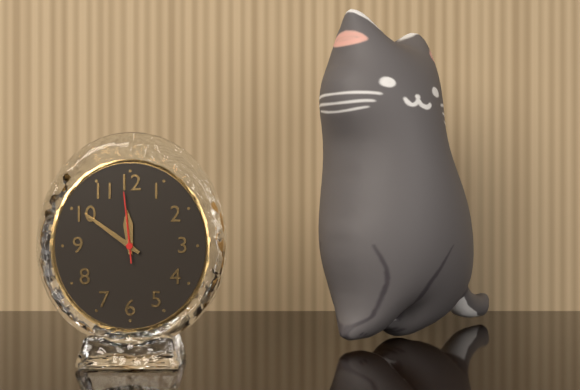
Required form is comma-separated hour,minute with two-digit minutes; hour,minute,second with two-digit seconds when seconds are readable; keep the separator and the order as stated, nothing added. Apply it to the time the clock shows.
11,51,59
